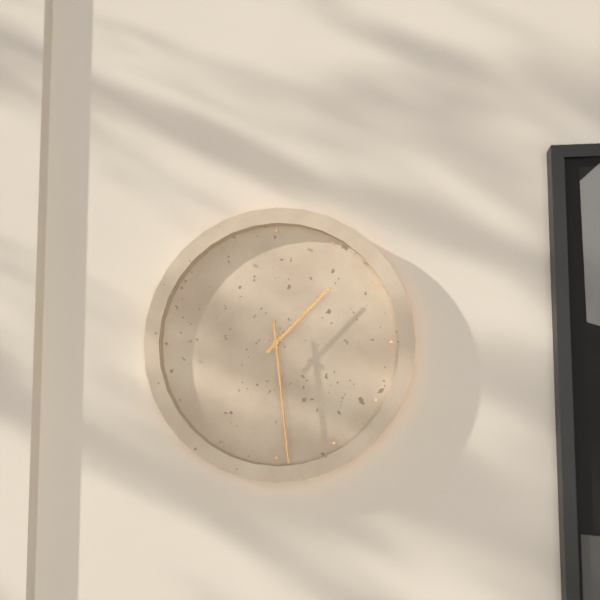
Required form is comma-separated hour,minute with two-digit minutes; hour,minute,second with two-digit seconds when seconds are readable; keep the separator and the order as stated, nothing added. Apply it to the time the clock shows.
1,29,29
